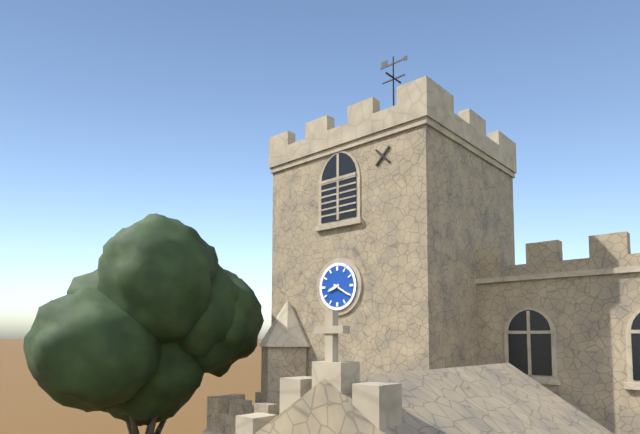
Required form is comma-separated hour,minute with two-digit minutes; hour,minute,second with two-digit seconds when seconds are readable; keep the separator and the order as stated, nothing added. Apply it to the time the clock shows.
8,20
